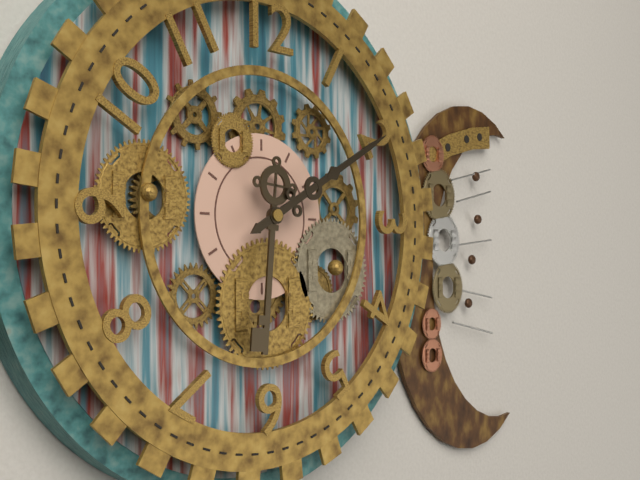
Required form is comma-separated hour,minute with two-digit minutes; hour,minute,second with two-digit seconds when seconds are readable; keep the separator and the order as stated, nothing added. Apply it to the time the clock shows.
6,10
